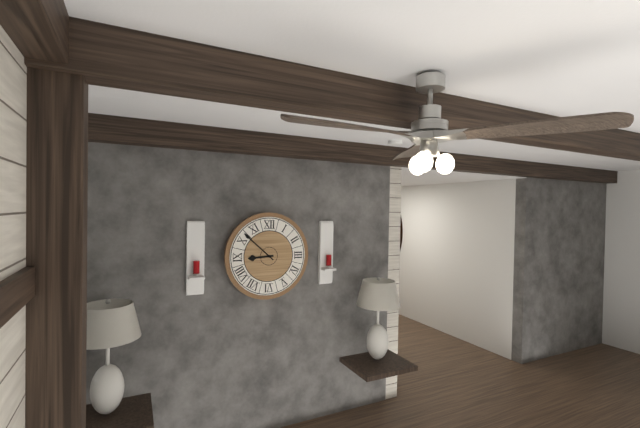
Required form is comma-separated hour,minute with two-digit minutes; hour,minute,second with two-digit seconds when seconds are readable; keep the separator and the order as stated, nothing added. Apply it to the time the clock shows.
8,52
